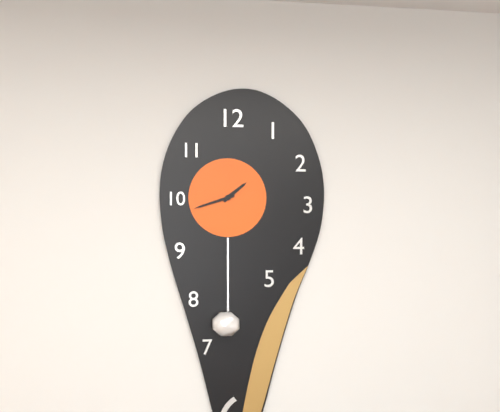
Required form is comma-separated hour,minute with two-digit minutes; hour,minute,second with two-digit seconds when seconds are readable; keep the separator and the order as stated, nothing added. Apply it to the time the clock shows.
1,42
